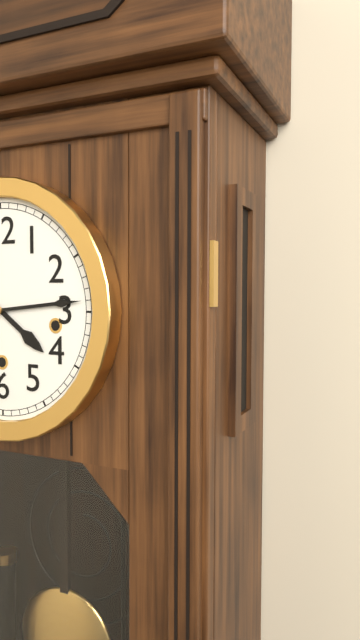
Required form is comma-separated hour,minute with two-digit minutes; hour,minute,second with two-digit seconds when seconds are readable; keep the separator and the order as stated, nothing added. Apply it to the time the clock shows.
4,14
